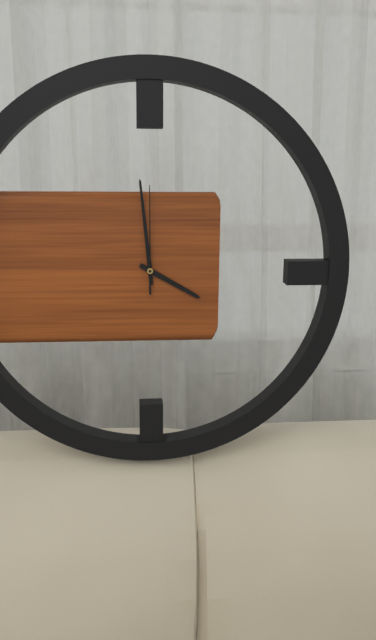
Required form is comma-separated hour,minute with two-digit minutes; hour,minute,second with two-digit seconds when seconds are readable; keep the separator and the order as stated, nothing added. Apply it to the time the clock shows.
3,59,00
